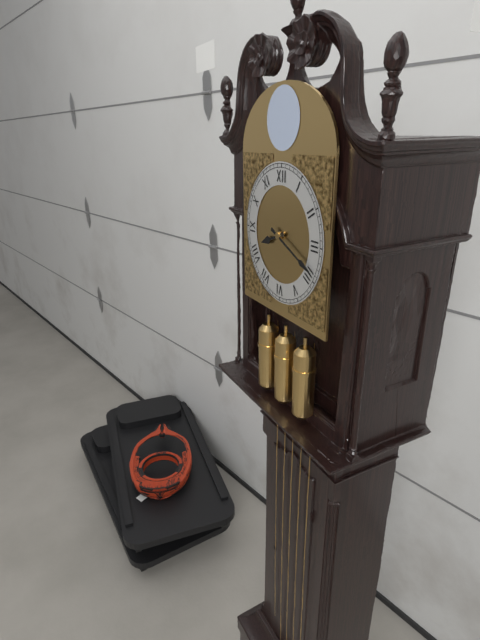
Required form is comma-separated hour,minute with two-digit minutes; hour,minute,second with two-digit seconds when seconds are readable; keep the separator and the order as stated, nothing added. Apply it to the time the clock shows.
8,19
